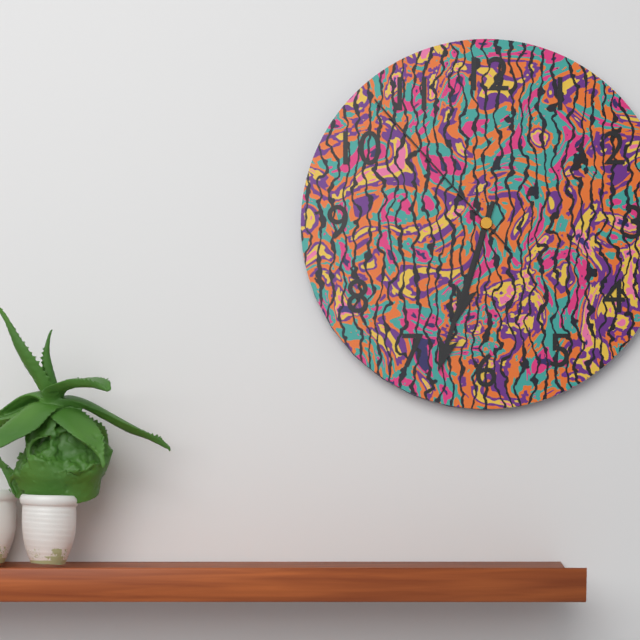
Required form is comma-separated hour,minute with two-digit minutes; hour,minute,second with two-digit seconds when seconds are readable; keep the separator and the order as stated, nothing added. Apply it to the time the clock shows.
6,33,53
